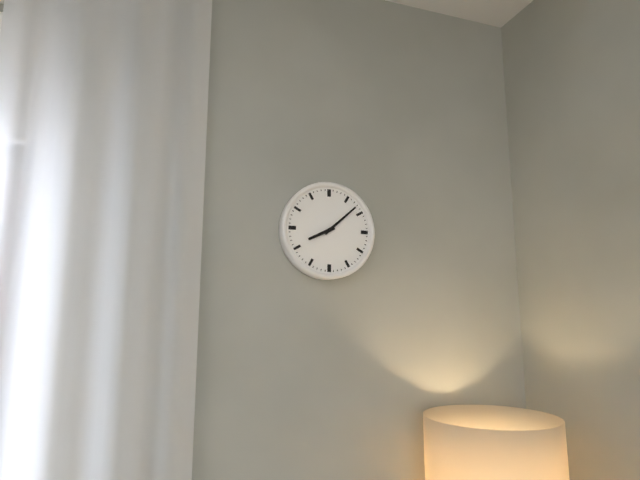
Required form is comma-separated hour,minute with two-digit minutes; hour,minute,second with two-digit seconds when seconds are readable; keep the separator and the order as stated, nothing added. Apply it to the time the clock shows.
8,08
